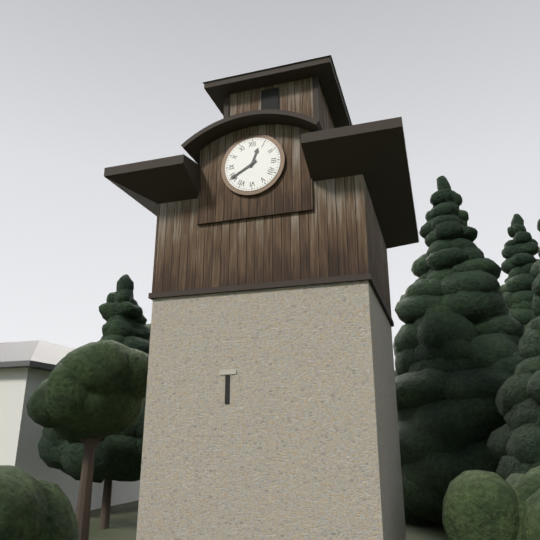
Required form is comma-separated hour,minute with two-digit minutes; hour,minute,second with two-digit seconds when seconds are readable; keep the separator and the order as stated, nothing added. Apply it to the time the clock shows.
12,40
